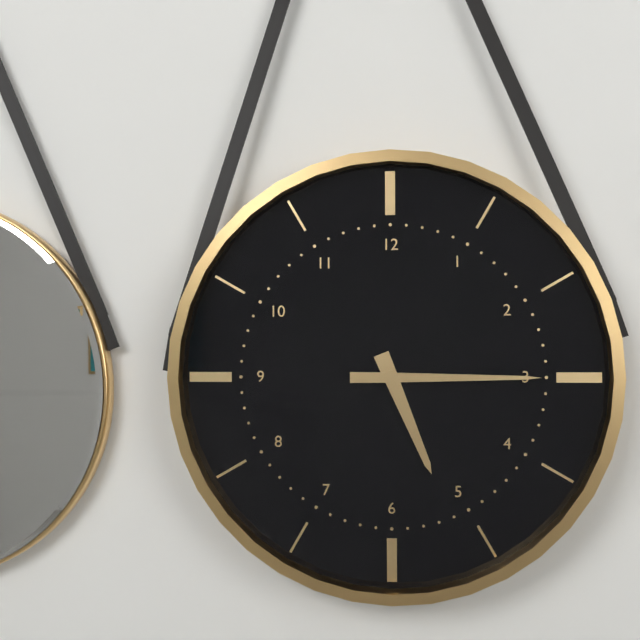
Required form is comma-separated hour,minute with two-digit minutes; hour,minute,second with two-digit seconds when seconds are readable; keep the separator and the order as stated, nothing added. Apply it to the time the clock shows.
5,15
